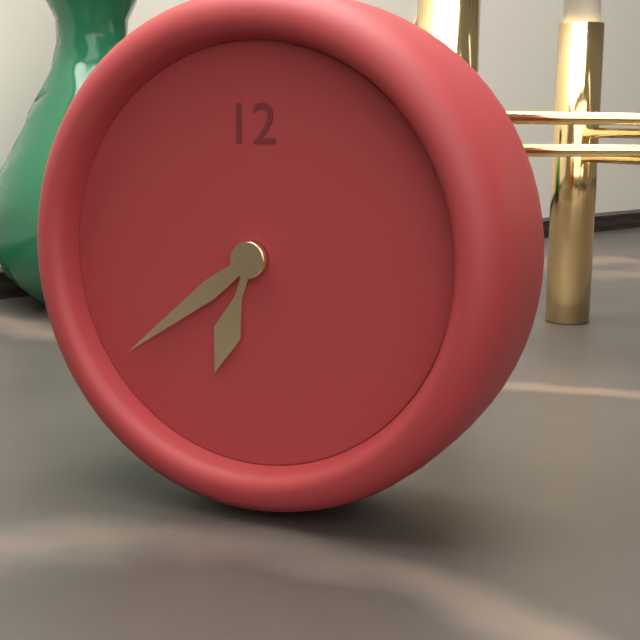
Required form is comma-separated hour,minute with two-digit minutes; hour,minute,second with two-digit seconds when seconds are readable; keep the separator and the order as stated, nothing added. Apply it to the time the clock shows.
6,39
